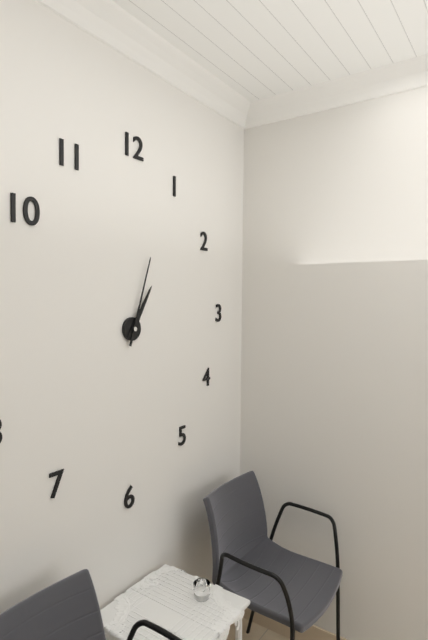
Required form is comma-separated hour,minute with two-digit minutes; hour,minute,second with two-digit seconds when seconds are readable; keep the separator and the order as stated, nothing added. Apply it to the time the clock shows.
1,03
